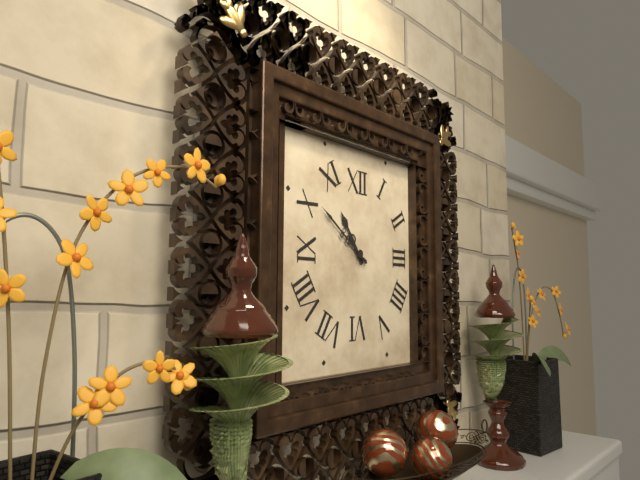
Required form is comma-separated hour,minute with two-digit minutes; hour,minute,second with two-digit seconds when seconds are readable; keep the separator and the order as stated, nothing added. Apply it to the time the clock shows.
10,51
